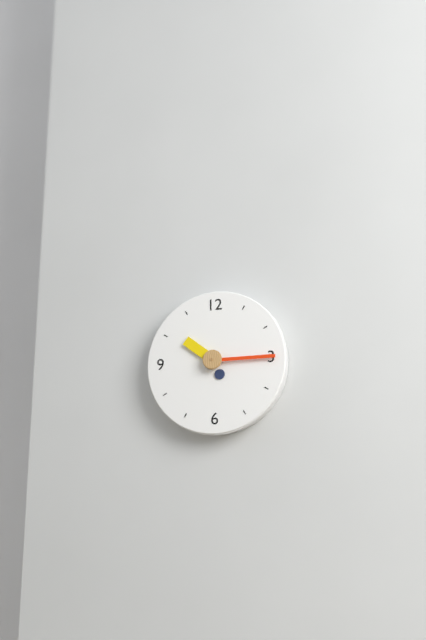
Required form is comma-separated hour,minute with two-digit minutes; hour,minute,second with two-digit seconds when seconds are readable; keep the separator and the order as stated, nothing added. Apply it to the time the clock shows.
10,15
